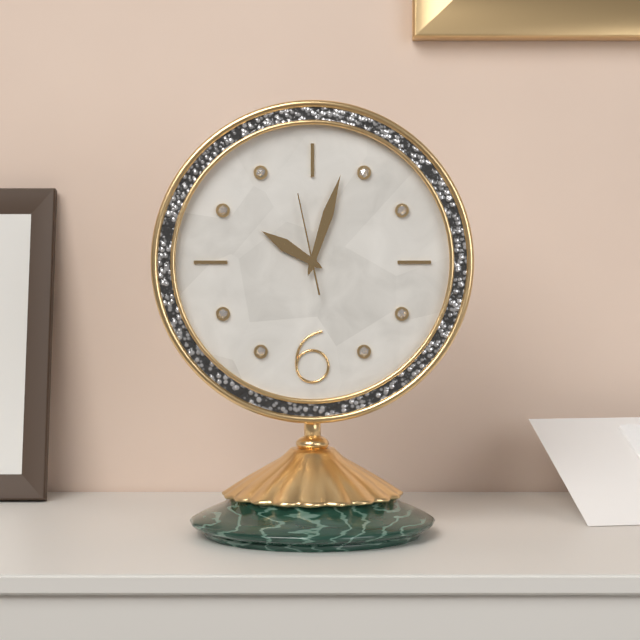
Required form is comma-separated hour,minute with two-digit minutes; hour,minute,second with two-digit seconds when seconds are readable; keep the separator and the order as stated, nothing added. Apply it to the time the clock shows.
10,03,58
